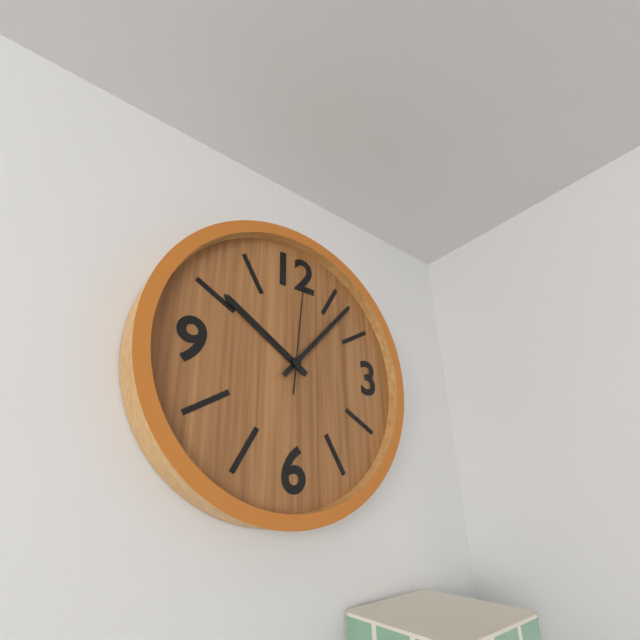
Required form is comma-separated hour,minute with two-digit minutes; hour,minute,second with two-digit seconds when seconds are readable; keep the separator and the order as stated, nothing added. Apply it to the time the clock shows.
10,07,01
